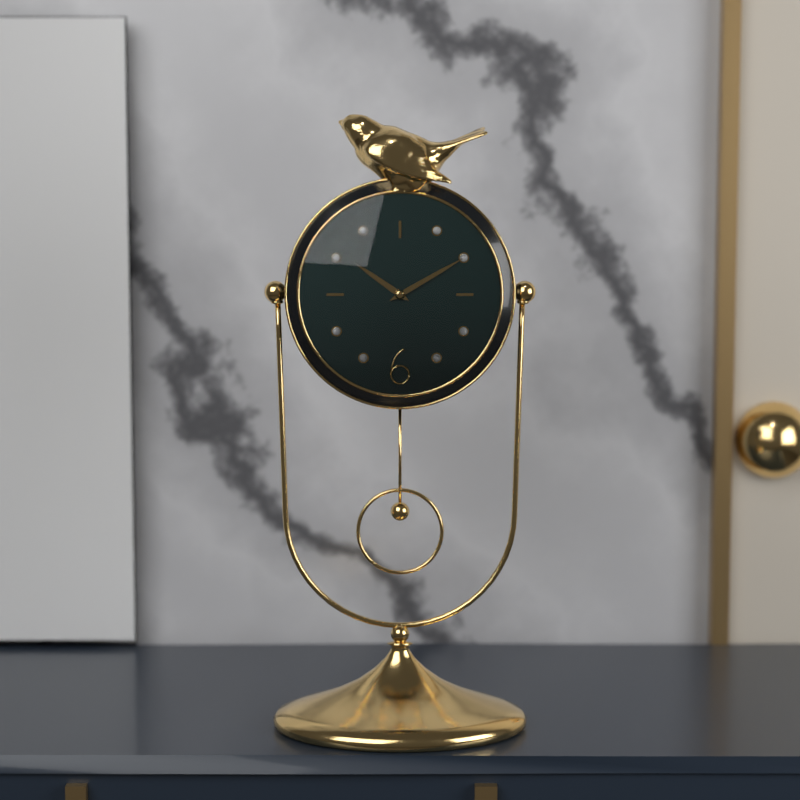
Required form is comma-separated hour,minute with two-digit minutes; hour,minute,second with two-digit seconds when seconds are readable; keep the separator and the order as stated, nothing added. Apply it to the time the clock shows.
10,10
